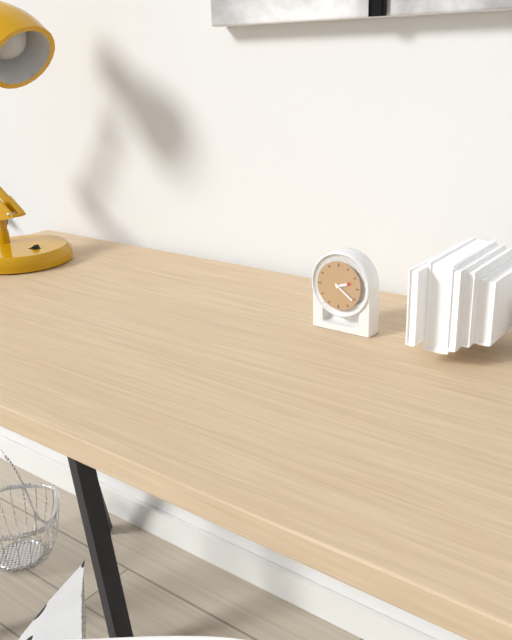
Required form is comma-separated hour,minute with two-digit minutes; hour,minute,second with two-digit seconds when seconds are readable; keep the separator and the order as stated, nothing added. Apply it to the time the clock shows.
2,21
